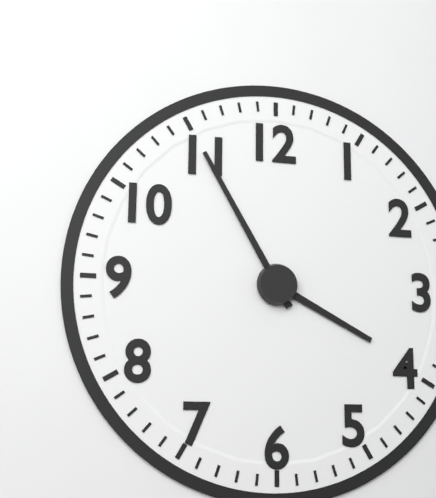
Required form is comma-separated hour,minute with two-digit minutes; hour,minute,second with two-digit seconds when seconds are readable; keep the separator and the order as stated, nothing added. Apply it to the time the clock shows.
3,55
